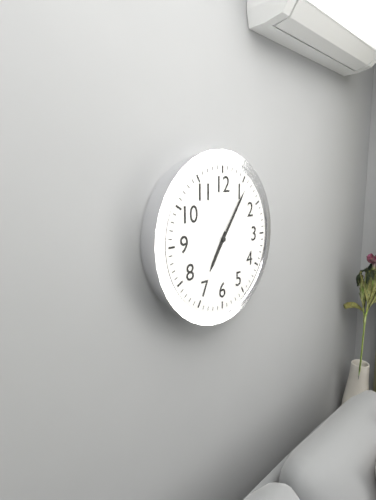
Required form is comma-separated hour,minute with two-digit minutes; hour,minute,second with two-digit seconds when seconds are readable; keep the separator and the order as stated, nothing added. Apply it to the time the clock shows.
7,06
